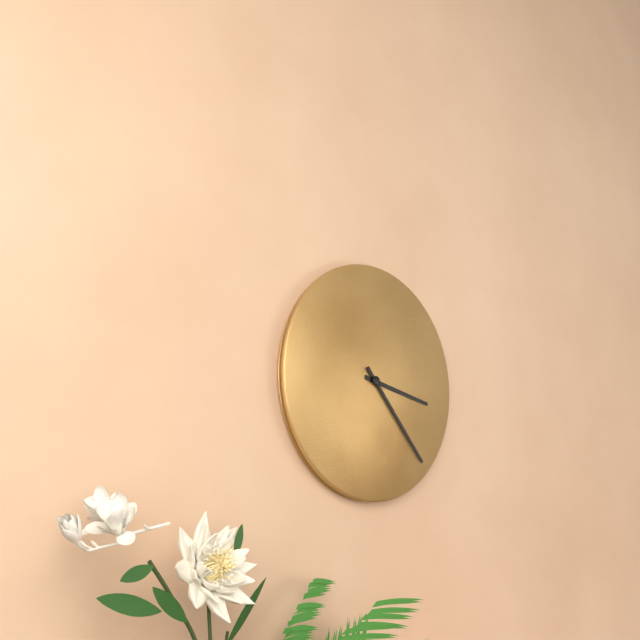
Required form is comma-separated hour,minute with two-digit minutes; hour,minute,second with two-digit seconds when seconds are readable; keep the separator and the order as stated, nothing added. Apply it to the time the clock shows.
3,23
